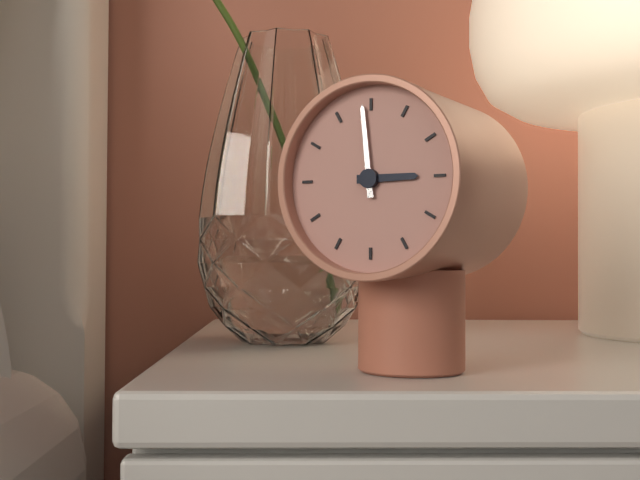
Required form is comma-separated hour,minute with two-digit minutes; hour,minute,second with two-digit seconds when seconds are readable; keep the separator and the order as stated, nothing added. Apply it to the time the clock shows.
2,59
